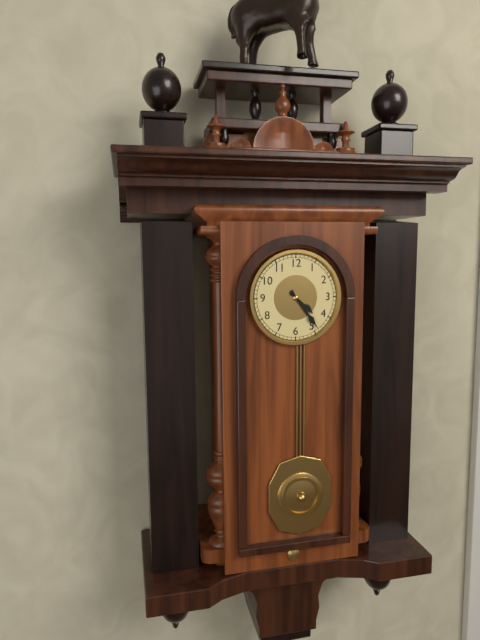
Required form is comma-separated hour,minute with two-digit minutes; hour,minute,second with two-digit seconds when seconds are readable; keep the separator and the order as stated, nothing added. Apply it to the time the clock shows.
4,24
